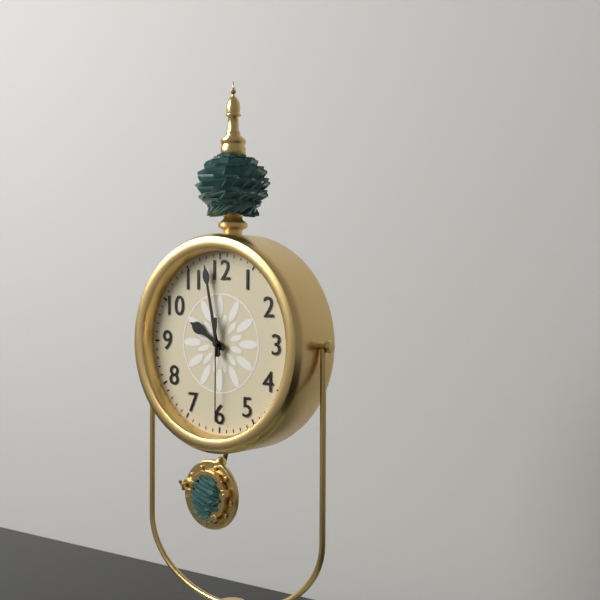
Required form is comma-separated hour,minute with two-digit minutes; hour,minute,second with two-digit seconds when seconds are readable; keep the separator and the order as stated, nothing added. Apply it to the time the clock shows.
9,58,30
